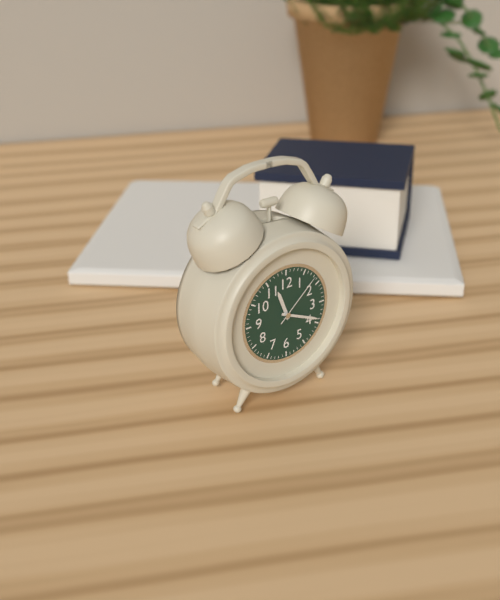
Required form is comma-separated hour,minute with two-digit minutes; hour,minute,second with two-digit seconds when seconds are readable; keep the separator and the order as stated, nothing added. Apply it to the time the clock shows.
11,19,08
